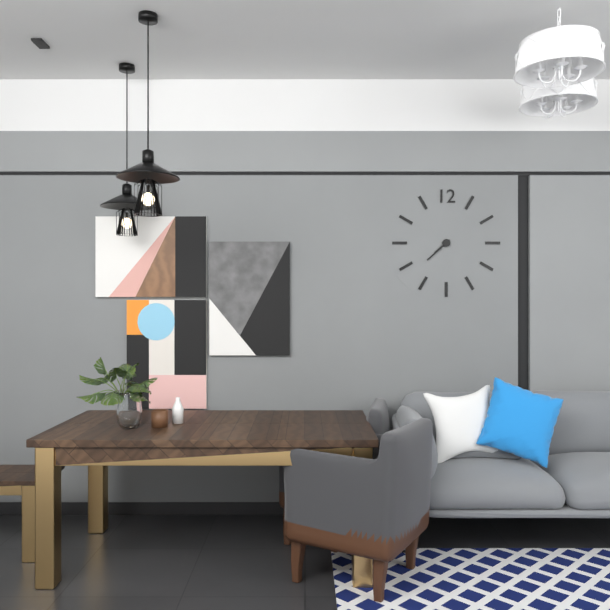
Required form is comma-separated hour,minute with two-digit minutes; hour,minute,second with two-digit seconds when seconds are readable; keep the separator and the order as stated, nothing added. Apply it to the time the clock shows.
7,38
